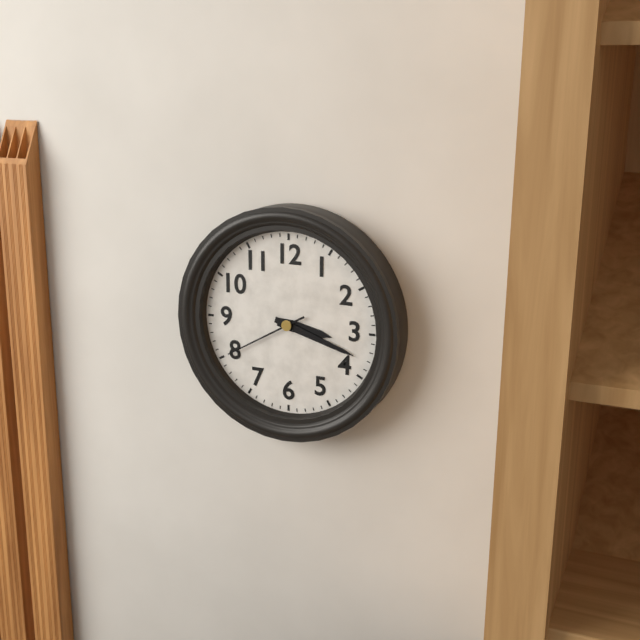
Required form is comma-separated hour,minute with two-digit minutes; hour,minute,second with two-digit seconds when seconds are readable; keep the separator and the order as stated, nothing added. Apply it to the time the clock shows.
3,18,40
